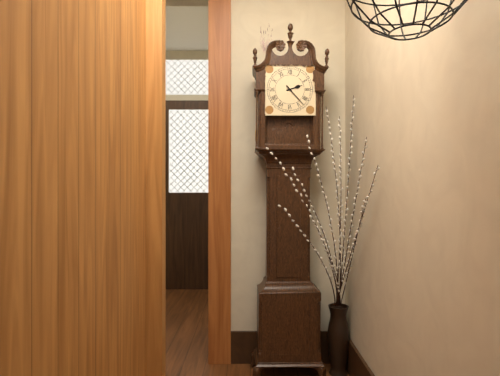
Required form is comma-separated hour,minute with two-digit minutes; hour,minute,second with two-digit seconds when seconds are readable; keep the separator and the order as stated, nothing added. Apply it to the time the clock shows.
2,23
